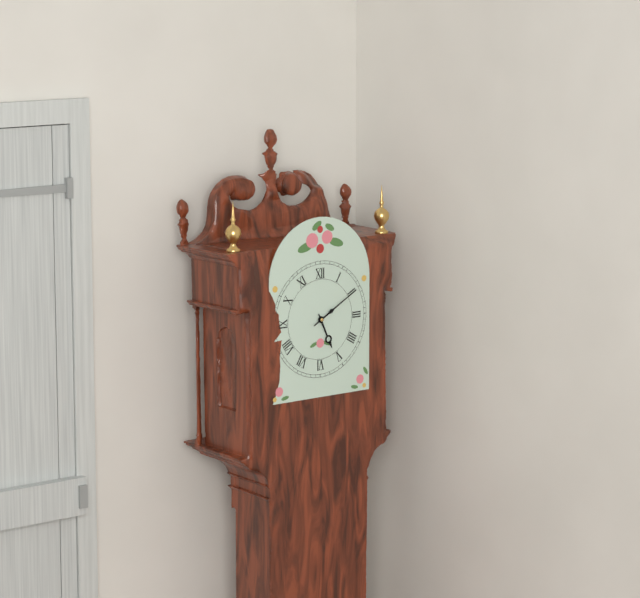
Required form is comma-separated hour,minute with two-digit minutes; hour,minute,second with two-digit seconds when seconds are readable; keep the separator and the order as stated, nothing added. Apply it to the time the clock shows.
5,10
